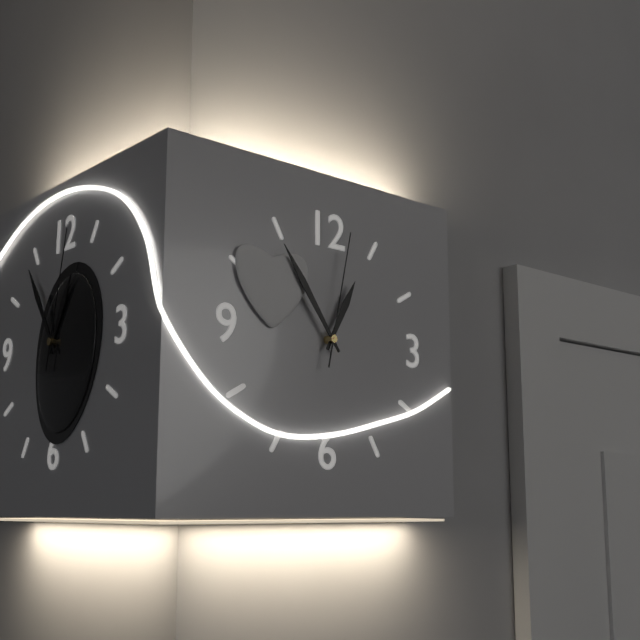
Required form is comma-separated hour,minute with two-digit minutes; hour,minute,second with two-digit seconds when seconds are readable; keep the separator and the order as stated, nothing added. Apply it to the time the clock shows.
12,54,02
